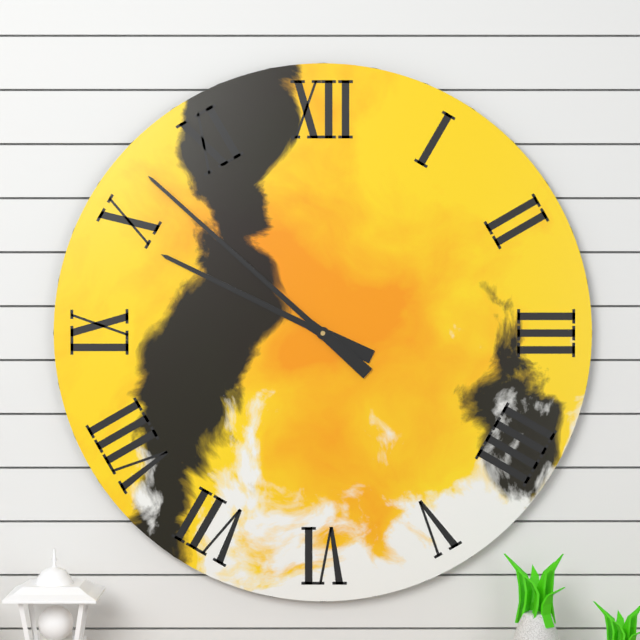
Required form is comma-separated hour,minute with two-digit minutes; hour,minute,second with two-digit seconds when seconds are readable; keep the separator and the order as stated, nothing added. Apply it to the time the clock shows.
9,52
